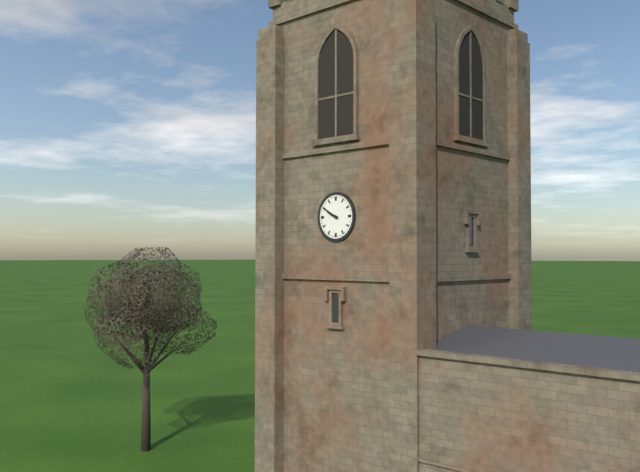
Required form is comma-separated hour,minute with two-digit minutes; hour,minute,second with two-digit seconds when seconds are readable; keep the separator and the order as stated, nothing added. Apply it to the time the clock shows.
9,50
